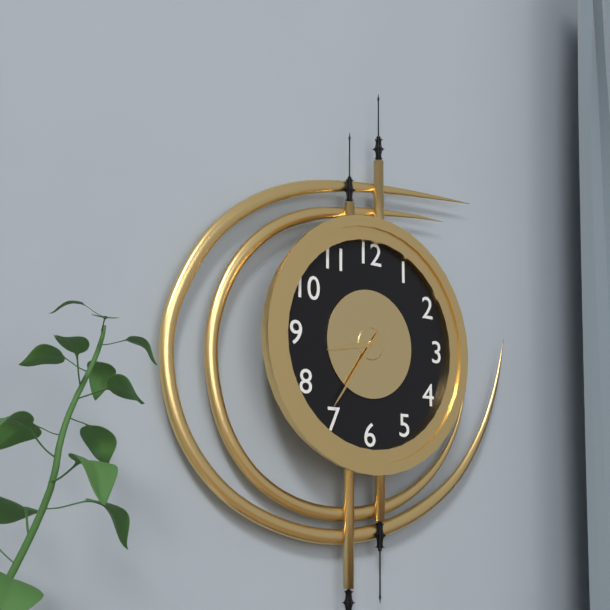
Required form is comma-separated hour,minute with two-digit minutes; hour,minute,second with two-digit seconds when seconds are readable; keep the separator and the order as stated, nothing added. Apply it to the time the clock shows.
8,36
